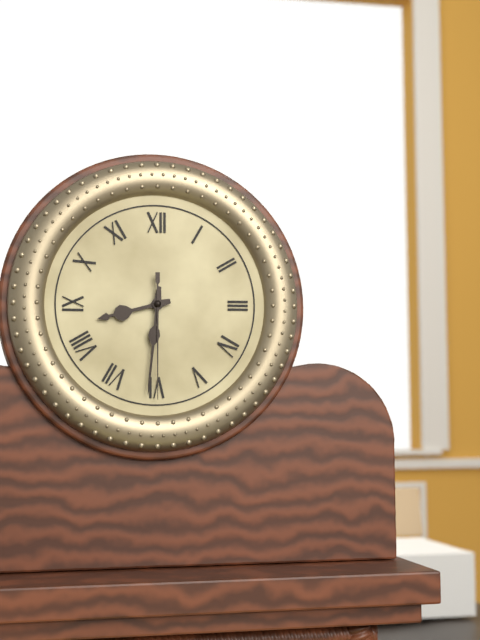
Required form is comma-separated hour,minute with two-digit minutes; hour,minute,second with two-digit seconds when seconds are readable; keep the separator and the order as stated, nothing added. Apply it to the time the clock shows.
8,31,30
